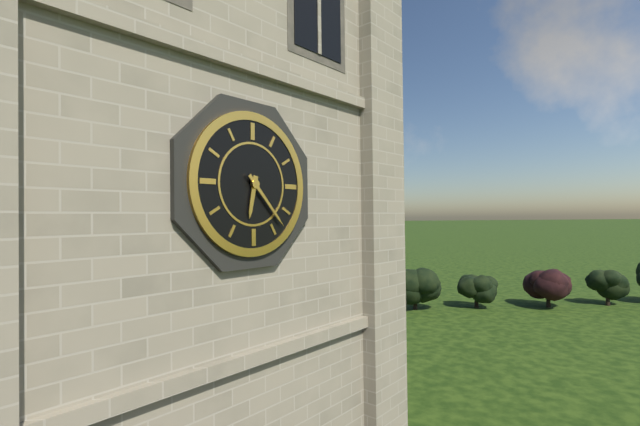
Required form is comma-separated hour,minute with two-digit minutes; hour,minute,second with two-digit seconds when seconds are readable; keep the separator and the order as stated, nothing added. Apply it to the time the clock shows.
6,23
